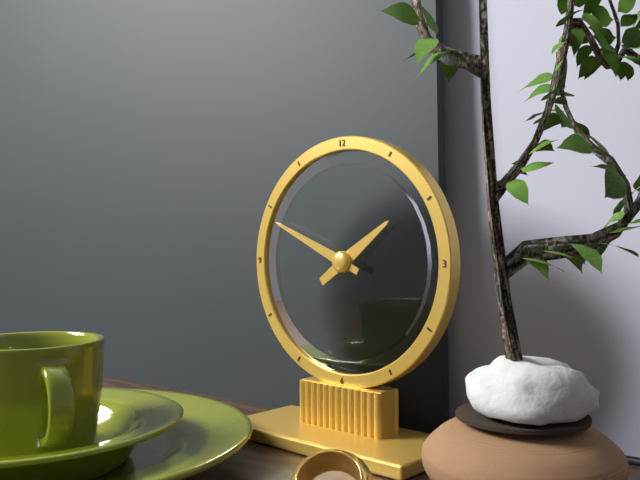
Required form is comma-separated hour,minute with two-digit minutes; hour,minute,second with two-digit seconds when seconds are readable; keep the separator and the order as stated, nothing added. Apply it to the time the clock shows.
1,49
